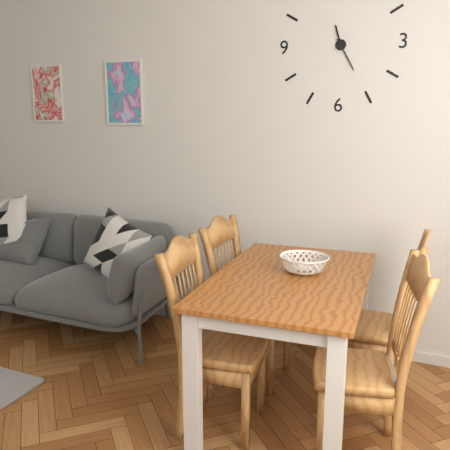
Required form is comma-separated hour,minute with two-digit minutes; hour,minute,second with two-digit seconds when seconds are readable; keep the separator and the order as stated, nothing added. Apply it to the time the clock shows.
11,25
